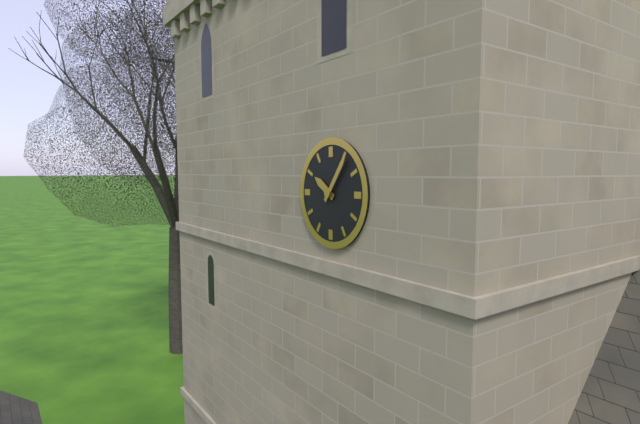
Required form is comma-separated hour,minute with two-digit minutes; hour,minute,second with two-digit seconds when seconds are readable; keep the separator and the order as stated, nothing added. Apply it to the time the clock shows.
10,06
